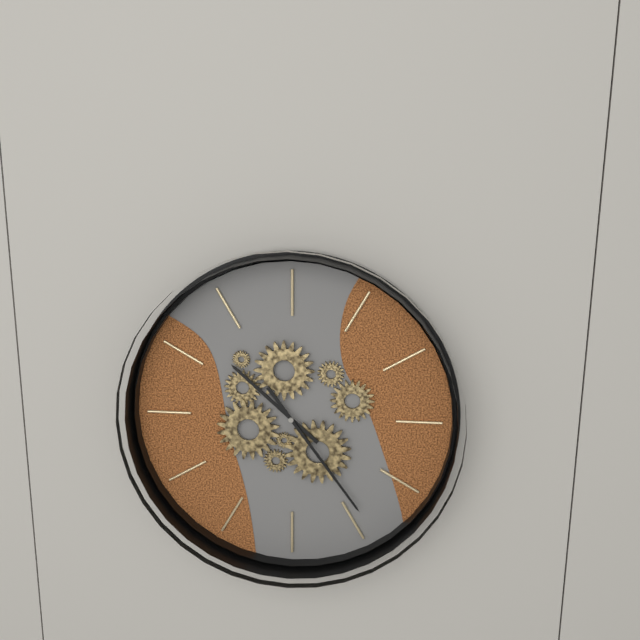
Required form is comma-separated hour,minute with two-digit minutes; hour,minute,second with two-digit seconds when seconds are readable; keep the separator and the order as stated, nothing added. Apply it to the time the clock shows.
10,24
